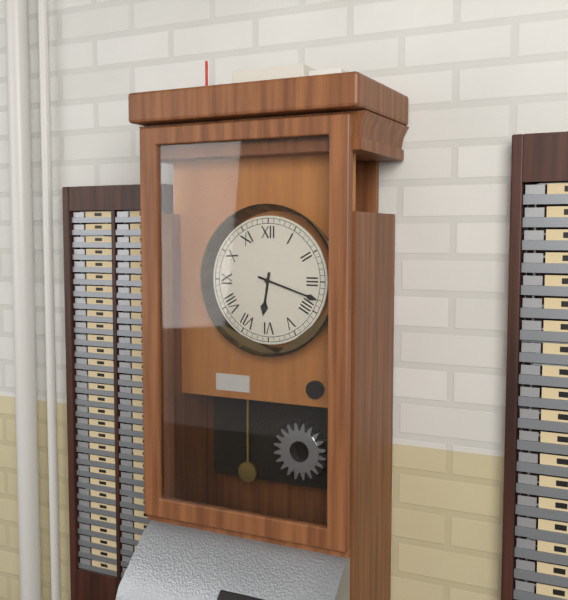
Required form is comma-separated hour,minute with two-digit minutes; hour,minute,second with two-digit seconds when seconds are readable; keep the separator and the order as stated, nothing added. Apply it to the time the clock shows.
6,18
